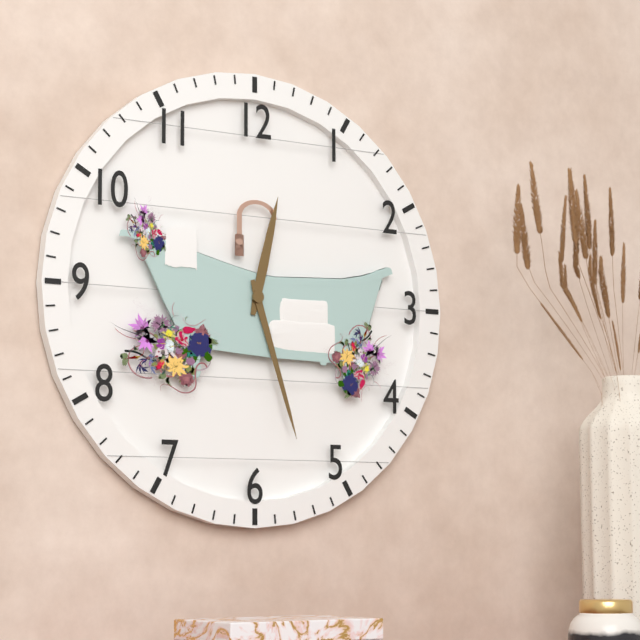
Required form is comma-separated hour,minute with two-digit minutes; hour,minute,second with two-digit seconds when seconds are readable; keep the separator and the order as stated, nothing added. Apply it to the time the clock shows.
12,27
